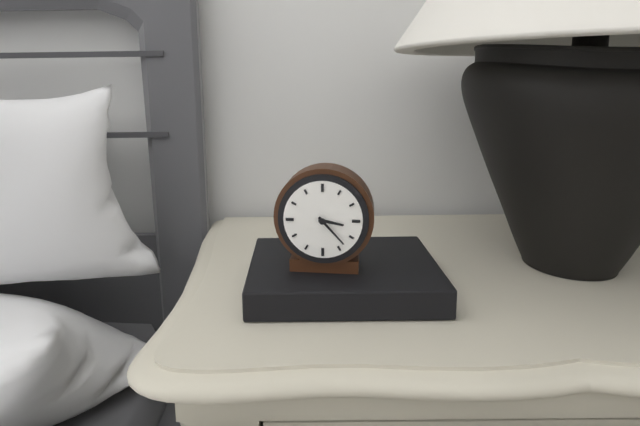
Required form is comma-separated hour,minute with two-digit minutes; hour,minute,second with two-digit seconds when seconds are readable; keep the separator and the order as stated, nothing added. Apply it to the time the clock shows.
3,23
